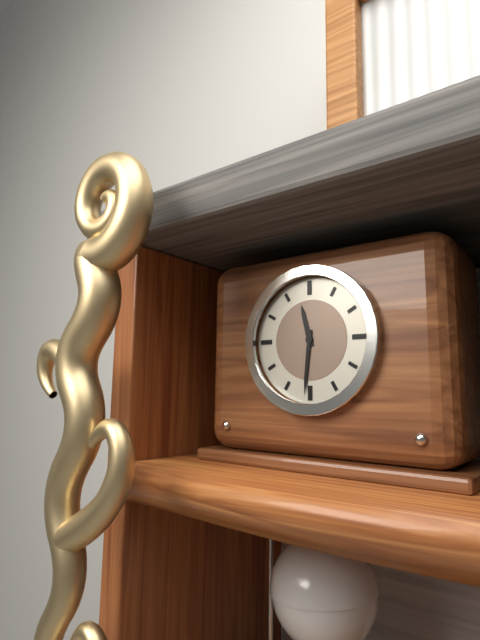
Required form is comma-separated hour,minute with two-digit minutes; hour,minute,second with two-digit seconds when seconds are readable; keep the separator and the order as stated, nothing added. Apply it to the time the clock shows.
11,31
